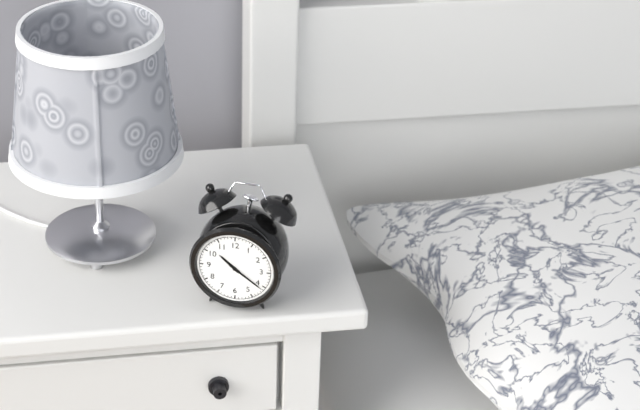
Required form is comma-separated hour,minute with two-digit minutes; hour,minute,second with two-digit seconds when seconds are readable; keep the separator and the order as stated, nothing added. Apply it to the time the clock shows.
10,21
